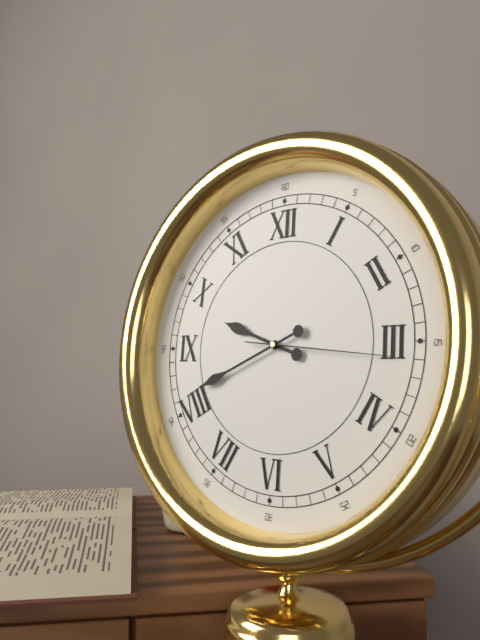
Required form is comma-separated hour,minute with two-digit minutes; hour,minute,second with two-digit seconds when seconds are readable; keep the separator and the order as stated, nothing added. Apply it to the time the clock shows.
9,41,16
